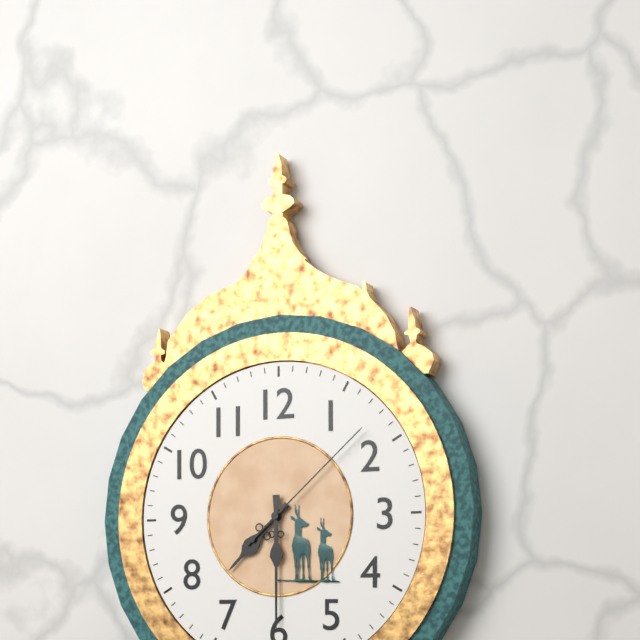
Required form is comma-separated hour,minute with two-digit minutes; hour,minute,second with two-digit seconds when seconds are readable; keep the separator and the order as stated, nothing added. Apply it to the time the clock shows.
7,30,08
